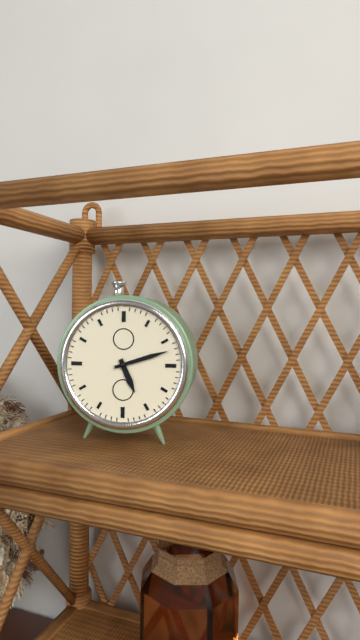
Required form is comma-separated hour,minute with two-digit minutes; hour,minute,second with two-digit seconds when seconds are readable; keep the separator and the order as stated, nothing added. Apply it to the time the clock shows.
5,12
